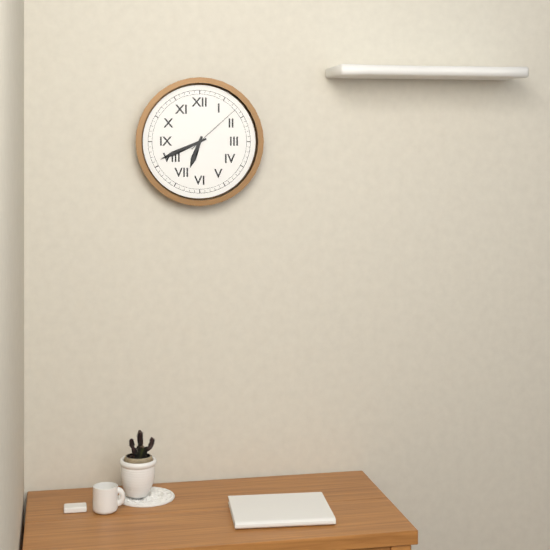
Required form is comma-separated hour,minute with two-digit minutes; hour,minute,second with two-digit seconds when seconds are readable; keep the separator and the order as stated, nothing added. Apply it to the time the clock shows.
6,41,08
